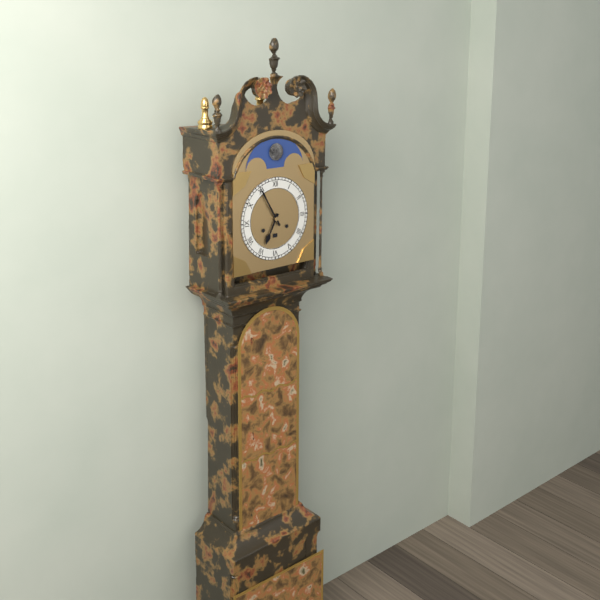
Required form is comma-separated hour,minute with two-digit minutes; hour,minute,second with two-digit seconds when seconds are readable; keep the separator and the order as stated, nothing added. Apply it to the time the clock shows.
6,55
